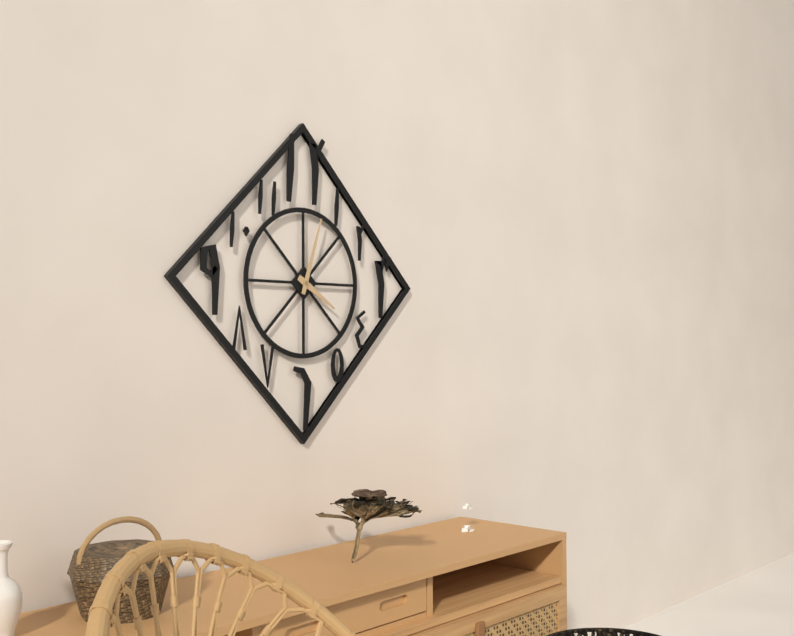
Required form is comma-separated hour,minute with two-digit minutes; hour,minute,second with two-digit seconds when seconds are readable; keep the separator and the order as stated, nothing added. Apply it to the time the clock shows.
4,03
